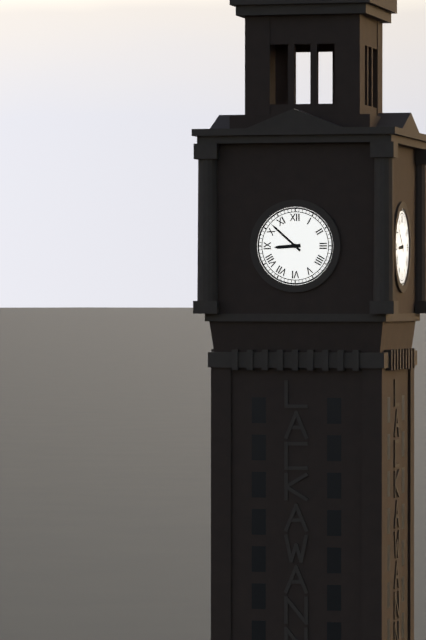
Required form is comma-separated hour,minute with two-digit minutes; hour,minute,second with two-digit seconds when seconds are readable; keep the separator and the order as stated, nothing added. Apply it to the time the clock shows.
8,52
